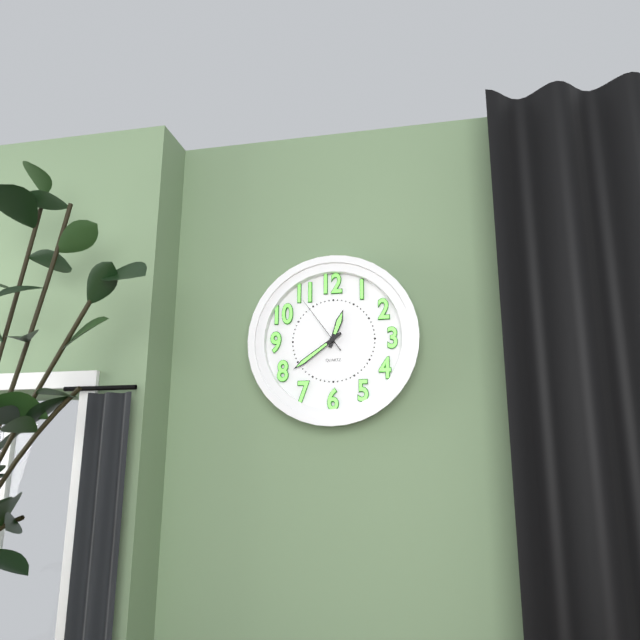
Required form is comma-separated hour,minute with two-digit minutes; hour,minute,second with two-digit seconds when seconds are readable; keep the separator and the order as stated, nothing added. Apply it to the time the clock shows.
12,39,54
